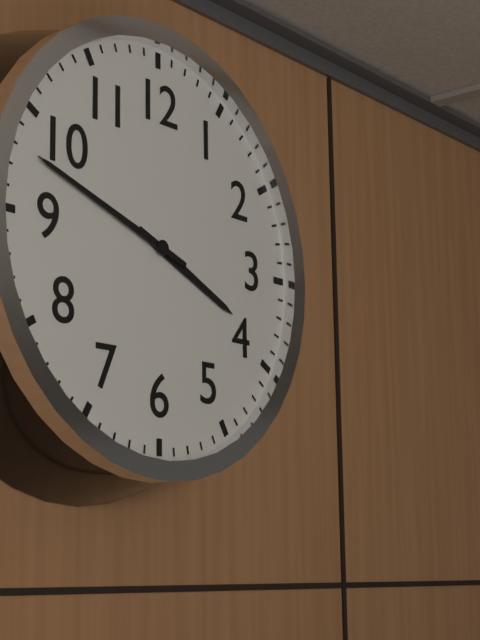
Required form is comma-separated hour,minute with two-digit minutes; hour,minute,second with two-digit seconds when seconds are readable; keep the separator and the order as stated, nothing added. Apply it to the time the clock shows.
3,48
